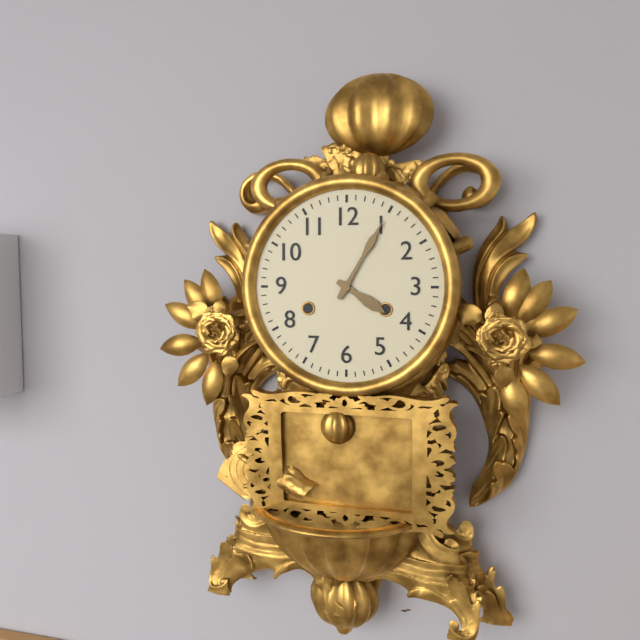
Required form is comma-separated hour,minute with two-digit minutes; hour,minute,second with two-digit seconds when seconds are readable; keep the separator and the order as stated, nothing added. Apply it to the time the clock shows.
4,05
